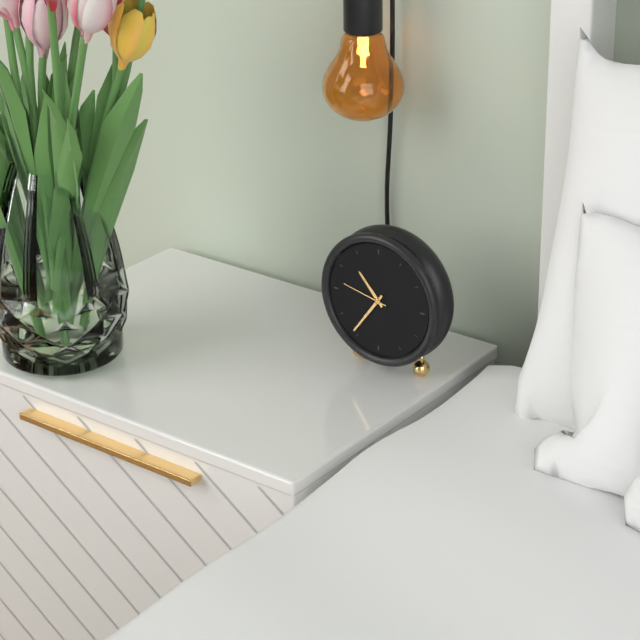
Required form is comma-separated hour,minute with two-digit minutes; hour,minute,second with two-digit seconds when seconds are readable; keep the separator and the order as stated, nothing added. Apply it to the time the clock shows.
10,36
